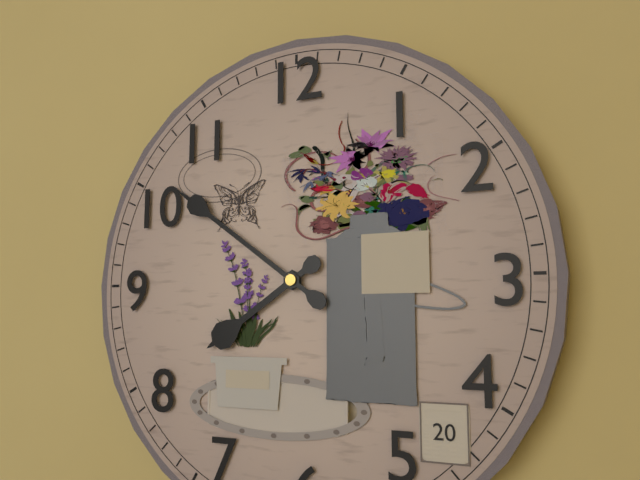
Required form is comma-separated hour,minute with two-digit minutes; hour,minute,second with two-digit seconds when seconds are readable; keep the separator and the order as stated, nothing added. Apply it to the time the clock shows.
7,51
